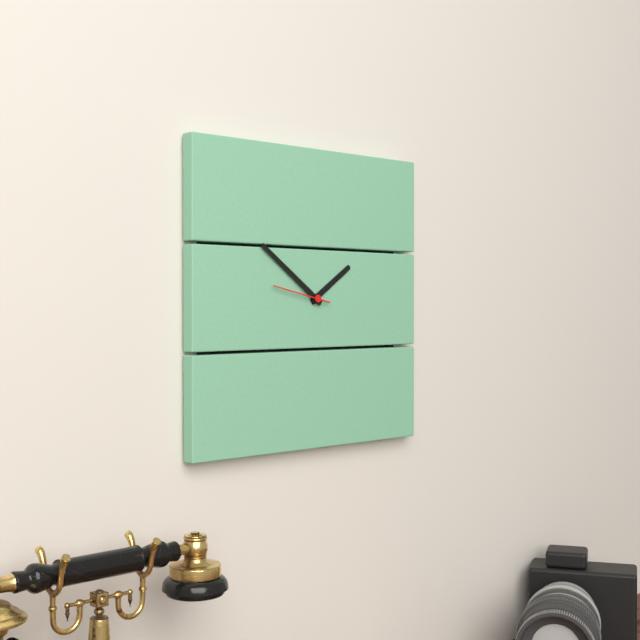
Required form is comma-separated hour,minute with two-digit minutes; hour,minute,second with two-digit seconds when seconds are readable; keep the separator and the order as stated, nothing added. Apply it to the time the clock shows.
1,51,47
